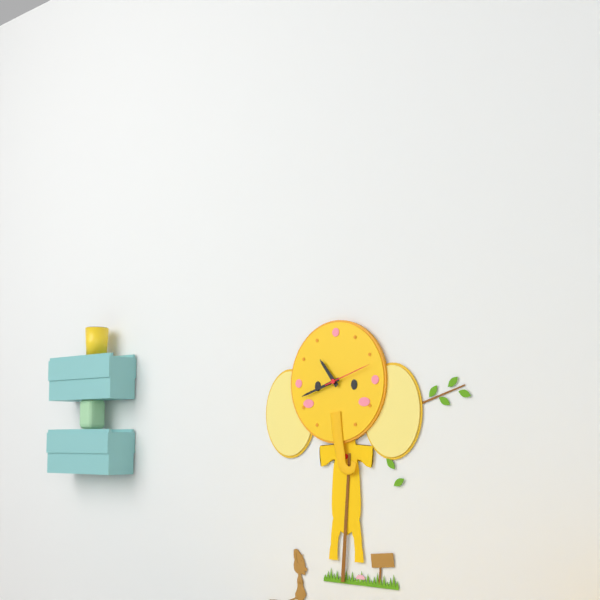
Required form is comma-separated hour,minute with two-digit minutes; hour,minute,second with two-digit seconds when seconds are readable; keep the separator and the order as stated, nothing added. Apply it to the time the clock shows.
10,42,12
